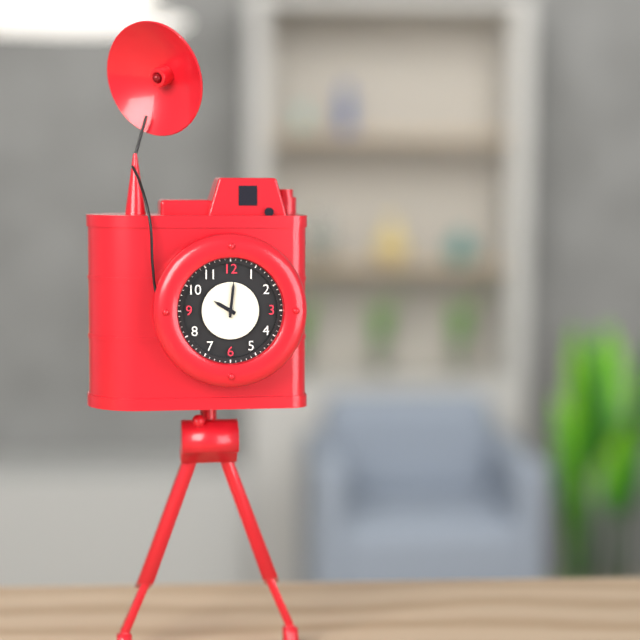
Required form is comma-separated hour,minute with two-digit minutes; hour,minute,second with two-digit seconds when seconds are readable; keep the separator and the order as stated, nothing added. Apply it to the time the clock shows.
10,01
